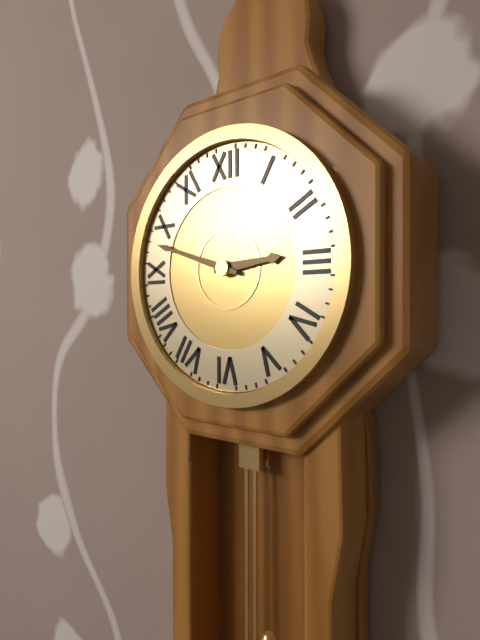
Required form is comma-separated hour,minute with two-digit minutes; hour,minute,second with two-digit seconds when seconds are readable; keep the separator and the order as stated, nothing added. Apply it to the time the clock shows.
2,48
